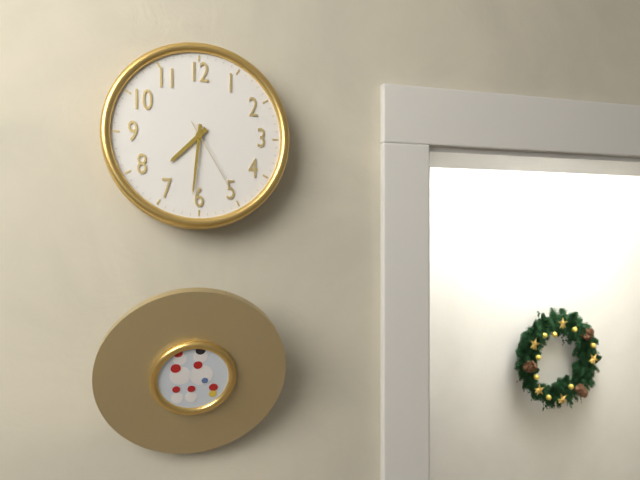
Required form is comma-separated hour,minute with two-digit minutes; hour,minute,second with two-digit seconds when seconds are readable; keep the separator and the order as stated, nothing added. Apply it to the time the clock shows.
7,31,25
